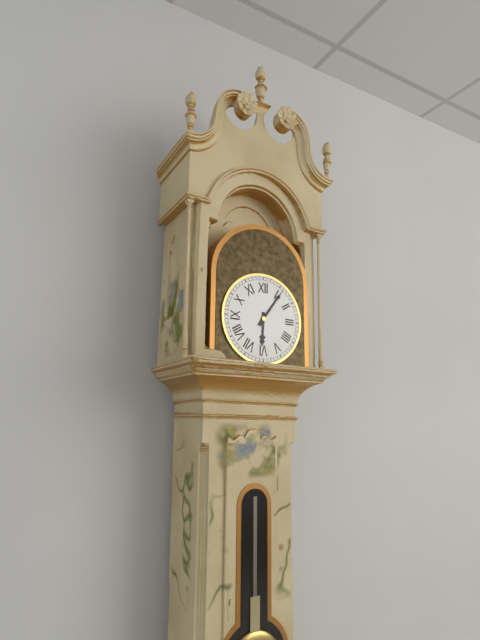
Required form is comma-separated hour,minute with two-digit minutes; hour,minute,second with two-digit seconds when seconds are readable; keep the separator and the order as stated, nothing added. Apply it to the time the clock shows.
6,06
